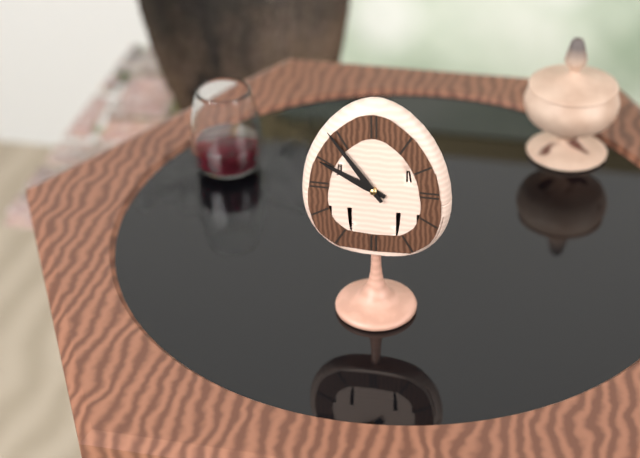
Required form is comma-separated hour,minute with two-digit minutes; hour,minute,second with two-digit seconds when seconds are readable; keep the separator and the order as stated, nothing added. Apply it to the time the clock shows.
9,54
